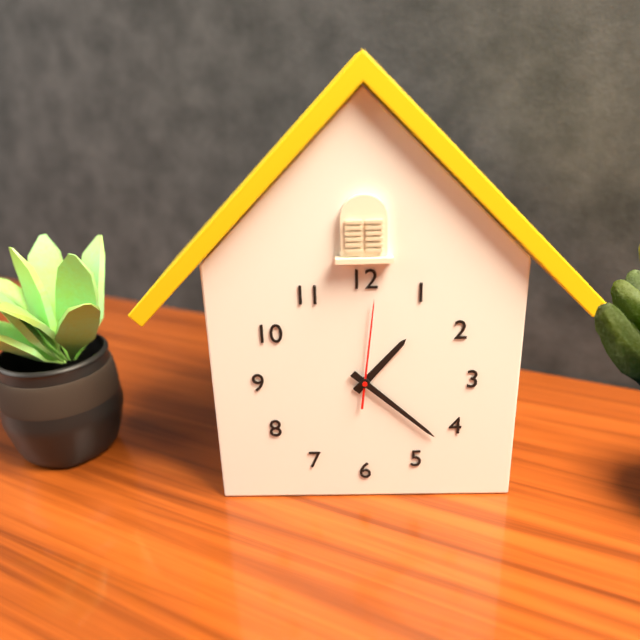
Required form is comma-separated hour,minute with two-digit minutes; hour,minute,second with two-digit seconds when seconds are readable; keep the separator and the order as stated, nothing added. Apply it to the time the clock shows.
1,22,01
